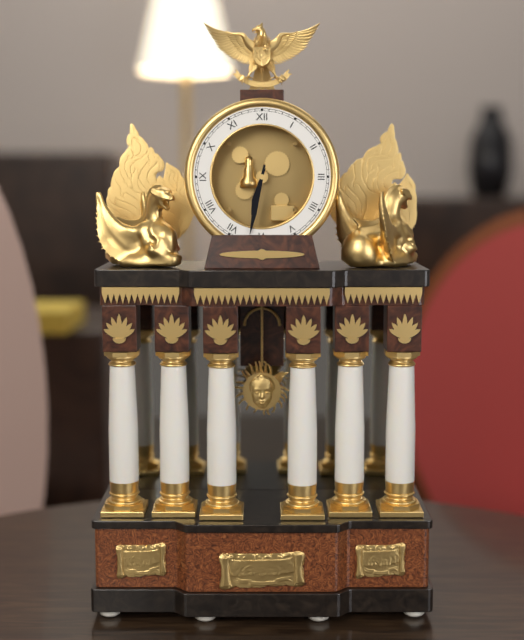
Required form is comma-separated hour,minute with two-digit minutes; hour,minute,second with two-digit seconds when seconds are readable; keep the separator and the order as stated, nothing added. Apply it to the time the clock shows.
6,32
